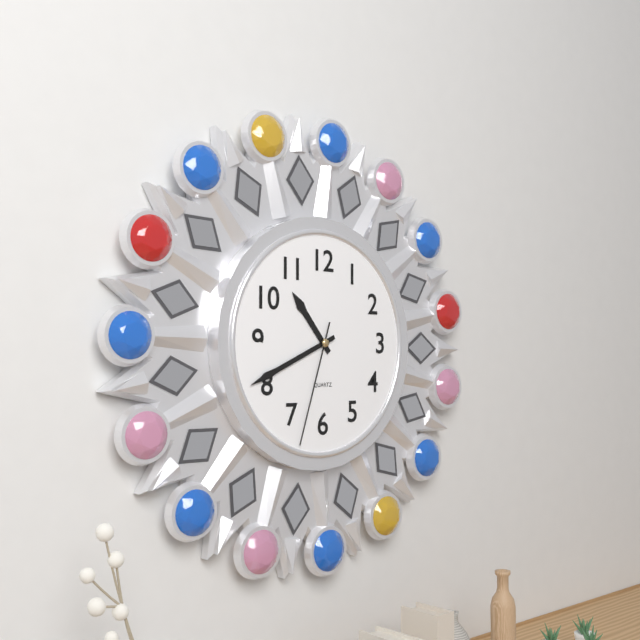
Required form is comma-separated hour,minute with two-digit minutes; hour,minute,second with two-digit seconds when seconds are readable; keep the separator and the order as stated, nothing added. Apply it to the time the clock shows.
10,41,33
